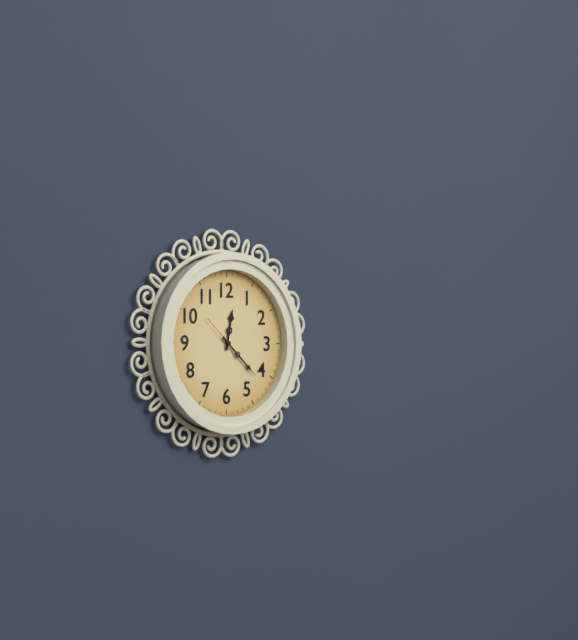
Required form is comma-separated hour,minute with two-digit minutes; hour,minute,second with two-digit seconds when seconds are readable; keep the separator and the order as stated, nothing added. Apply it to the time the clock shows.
12,22
